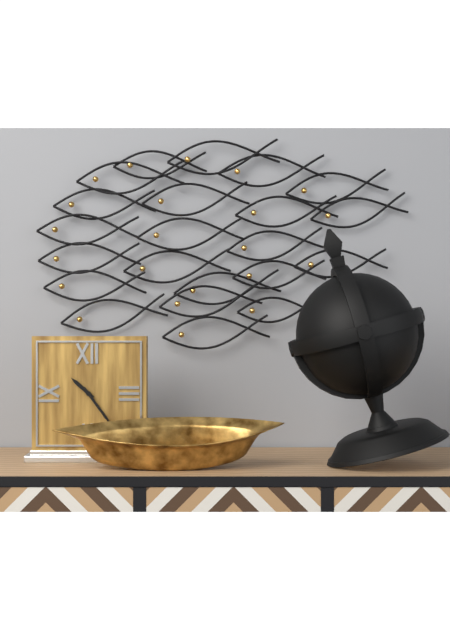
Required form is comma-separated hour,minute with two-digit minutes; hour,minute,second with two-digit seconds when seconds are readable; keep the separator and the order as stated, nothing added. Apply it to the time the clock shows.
10,24
